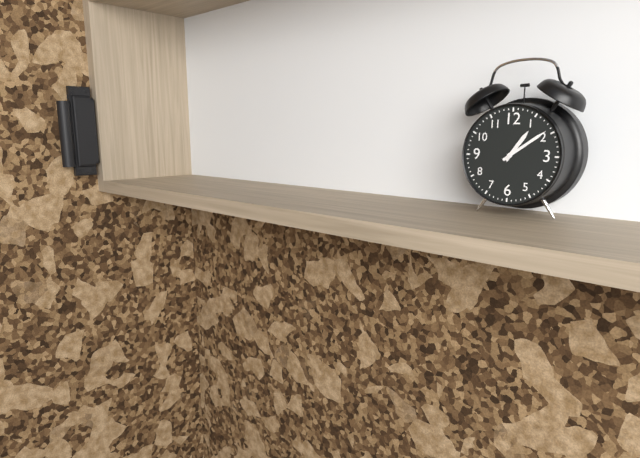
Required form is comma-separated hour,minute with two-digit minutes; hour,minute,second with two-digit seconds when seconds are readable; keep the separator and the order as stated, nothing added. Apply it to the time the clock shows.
1,09
